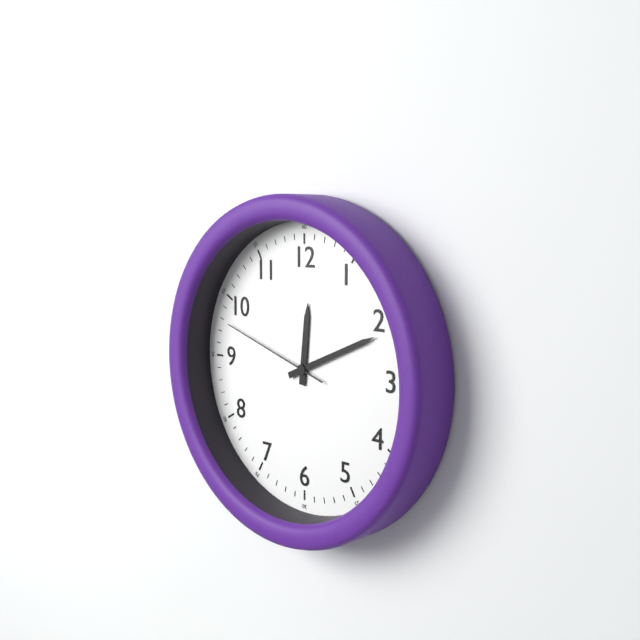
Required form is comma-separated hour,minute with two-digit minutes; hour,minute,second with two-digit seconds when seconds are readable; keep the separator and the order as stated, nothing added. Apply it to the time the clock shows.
12,11,48
